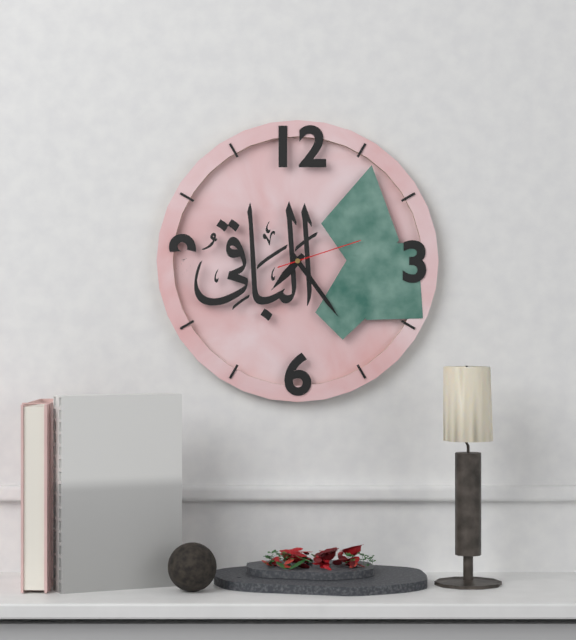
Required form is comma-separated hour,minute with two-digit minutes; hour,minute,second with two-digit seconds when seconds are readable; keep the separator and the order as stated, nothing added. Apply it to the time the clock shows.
7,24,12
